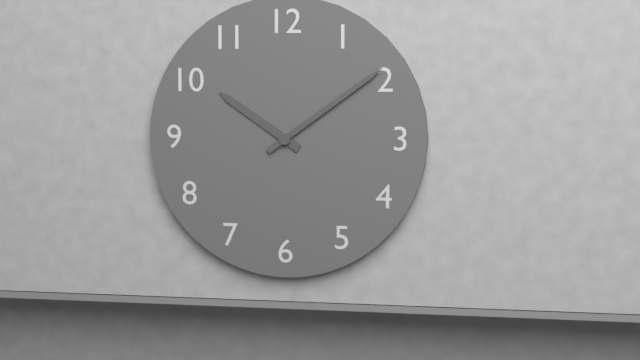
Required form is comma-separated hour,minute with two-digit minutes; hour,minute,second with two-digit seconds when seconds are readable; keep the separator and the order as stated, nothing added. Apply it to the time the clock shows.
10,09
